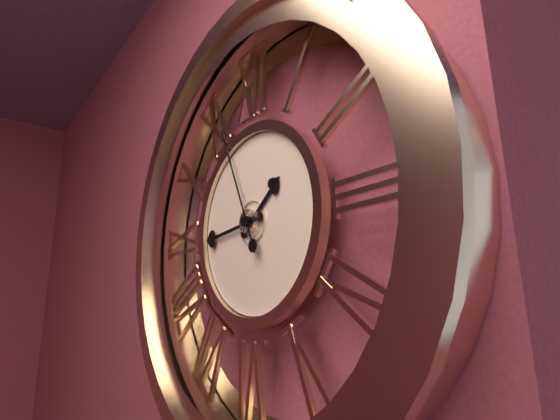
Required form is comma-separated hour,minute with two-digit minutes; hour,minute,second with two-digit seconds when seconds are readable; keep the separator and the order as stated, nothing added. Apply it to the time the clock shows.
1,44,56
